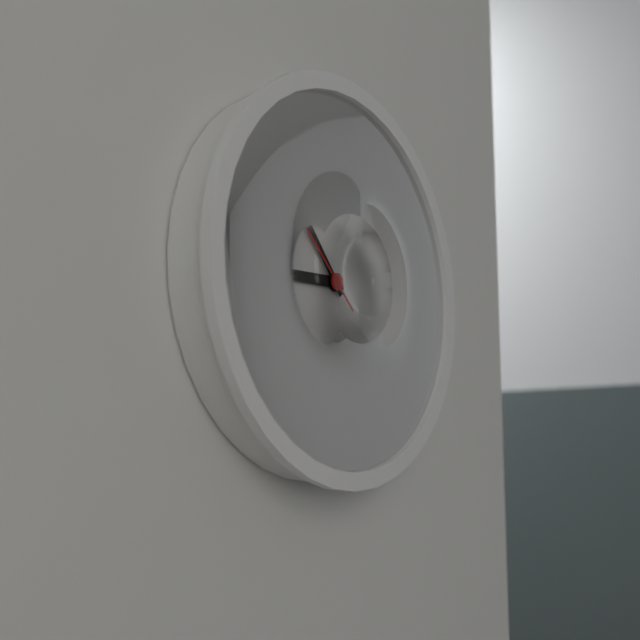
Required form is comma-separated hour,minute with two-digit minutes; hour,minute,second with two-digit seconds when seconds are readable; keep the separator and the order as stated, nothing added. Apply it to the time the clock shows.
8,53,52
